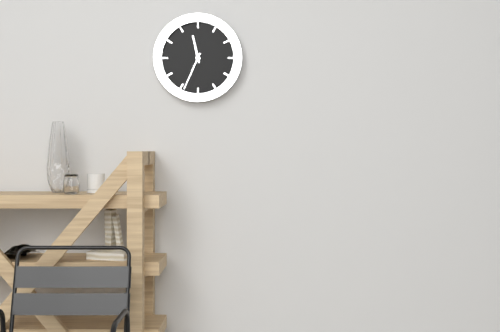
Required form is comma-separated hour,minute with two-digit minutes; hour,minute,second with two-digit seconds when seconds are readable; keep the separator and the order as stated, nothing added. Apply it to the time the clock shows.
11,34
